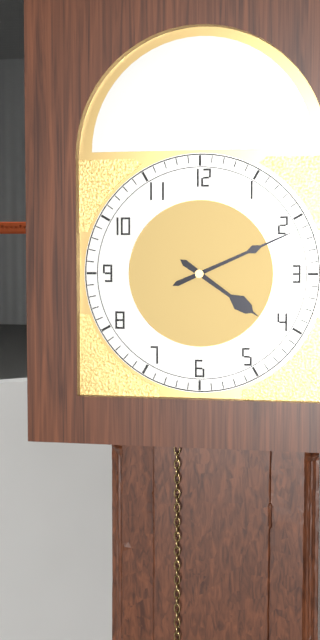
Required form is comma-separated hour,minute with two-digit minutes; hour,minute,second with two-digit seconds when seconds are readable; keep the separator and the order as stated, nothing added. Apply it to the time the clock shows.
4,11
